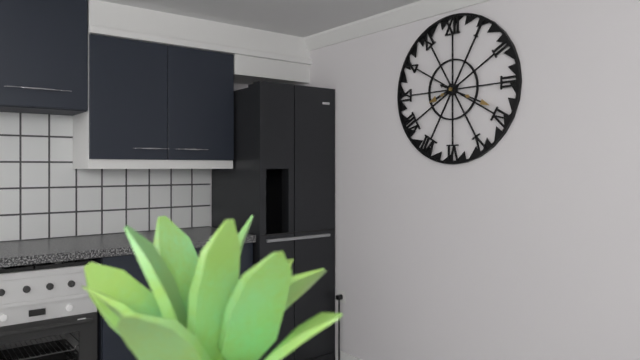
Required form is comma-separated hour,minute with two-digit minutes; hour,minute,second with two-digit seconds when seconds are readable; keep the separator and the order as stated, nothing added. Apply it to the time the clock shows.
8,19
